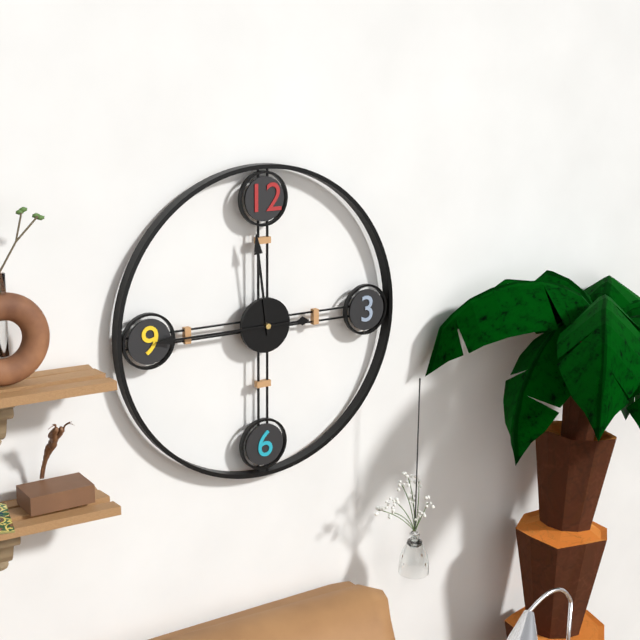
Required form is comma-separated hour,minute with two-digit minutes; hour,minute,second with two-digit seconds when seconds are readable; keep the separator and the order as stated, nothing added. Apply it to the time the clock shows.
11,45
